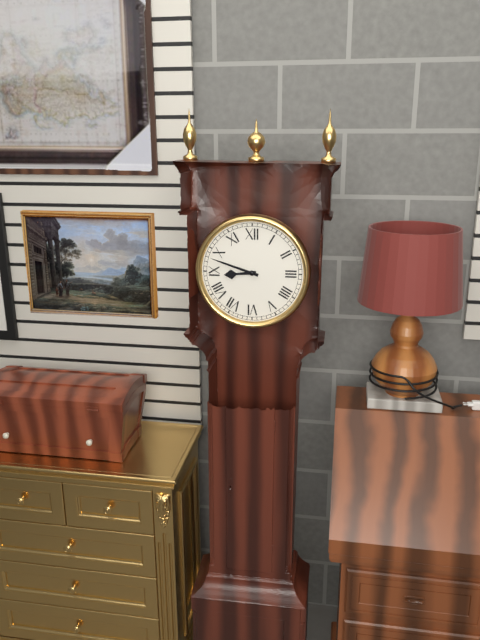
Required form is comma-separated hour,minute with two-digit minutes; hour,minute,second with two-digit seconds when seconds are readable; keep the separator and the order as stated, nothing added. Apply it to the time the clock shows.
8,48
